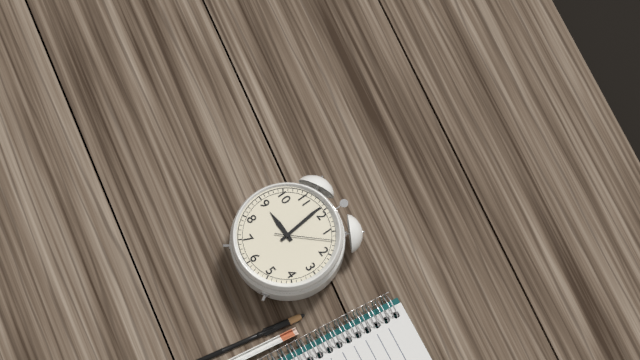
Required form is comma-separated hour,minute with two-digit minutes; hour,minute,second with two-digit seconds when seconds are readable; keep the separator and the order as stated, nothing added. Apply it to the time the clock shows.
8,59,07
